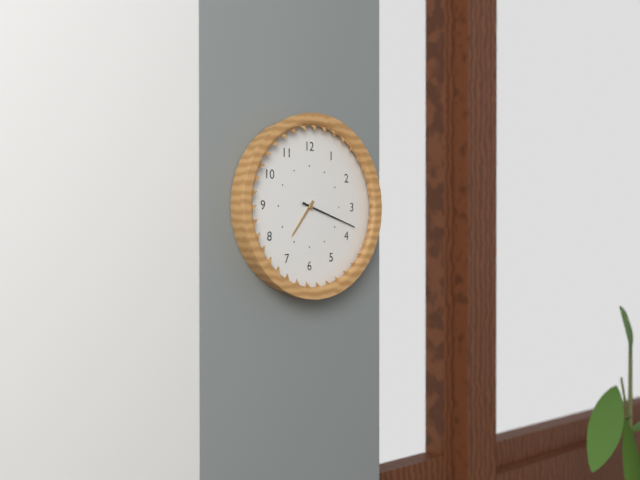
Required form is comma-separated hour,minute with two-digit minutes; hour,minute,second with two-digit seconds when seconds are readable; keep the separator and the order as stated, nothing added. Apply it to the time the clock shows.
7,18
